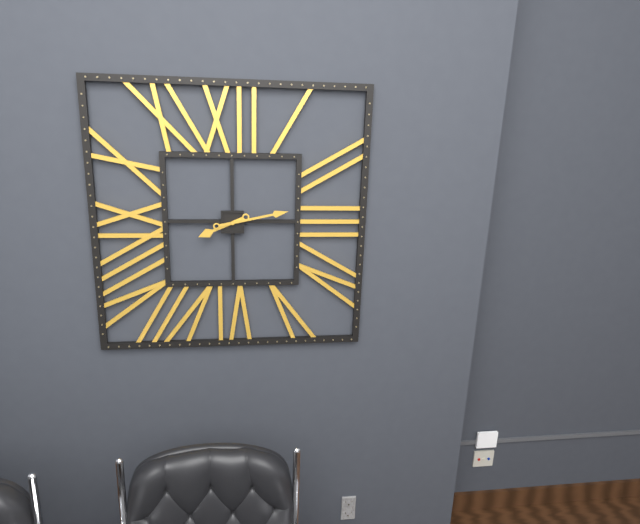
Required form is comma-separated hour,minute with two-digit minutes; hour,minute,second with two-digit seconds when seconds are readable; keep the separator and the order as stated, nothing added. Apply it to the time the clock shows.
8,13
